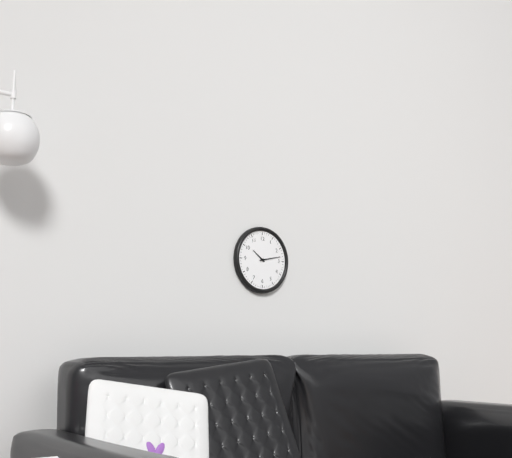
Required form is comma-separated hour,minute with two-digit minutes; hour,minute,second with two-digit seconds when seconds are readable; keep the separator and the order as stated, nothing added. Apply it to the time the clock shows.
10,13
